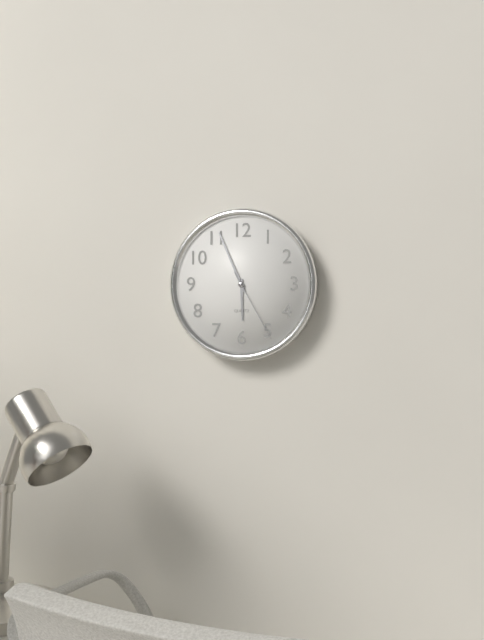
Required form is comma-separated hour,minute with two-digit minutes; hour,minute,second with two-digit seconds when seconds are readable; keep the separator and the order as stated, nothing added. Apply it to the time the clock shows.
5,56,25
